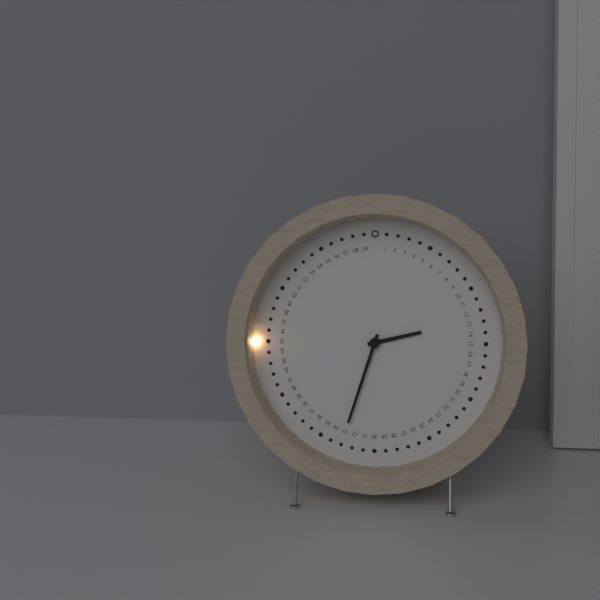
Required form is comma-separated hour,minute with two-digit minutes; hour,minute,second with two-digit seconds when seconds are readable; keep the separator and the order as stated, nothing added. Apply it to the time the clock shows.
2,33
